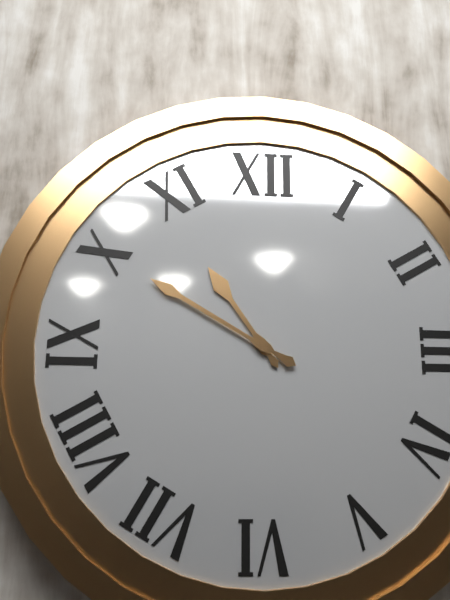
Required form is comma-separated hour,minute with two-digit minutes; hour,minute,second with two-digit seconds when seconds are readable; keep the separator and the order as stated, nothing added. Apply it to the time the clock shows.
10,50
